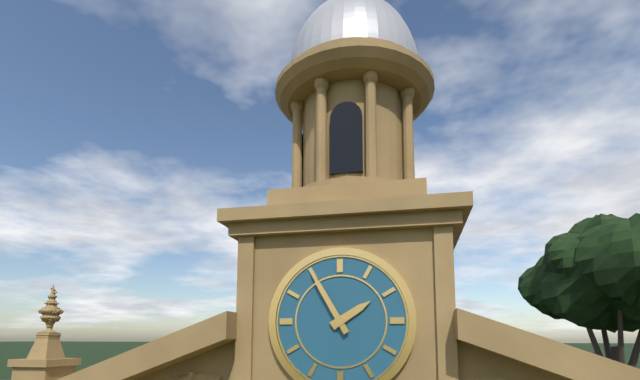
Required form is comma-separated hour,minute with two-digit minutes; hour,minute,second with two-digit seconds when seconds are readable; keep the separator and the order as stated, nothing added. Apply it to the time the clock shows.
1,55
